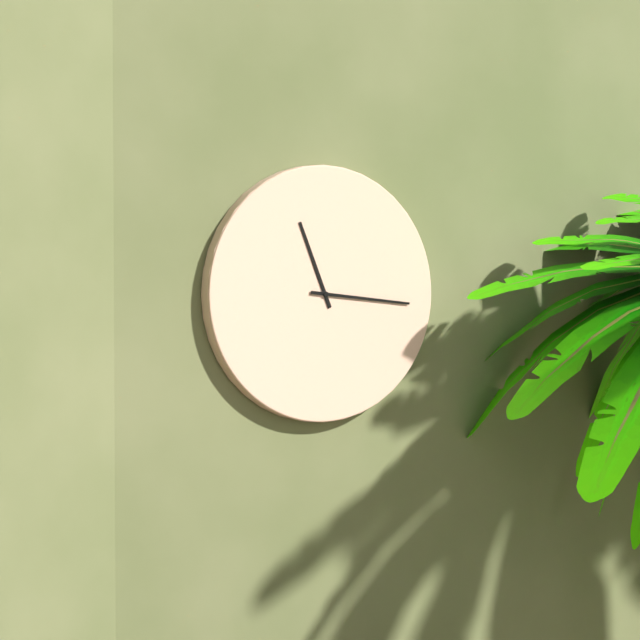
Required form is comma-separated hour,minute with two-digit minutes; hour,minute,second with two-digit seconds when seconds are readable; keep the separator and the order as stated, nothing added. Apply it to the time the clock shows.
11,16
